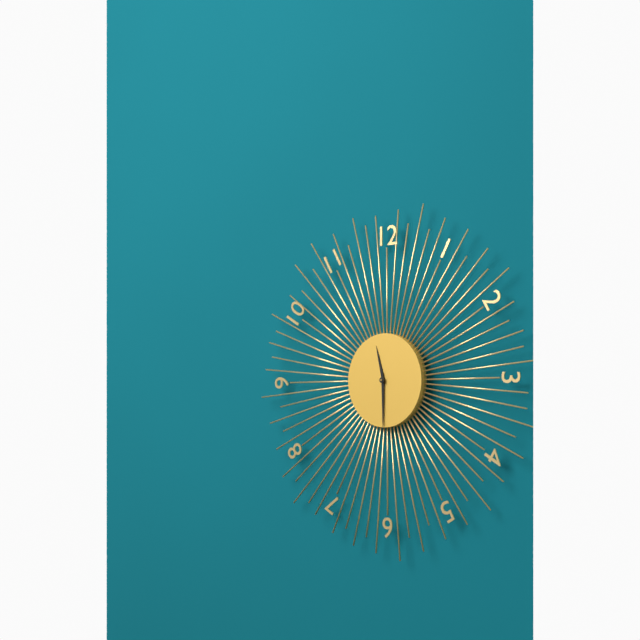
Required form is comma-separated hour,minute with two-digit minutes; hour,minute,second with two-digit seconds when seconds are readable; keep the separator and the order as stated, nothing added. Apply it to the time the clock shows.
11,30
